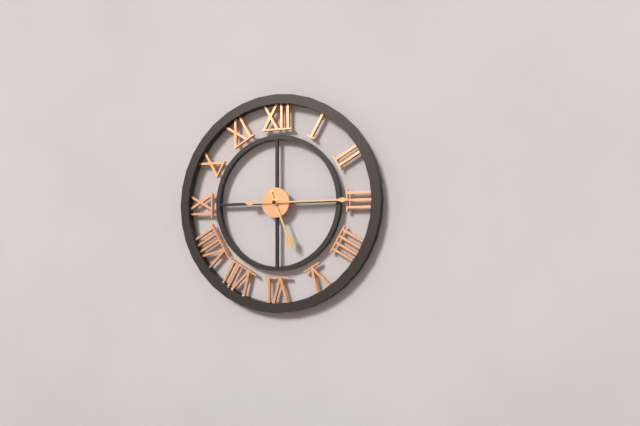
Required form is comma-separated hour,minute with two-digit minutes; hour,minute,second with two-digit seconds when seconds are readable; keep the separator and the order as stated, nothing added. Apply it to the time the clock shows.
5,15
